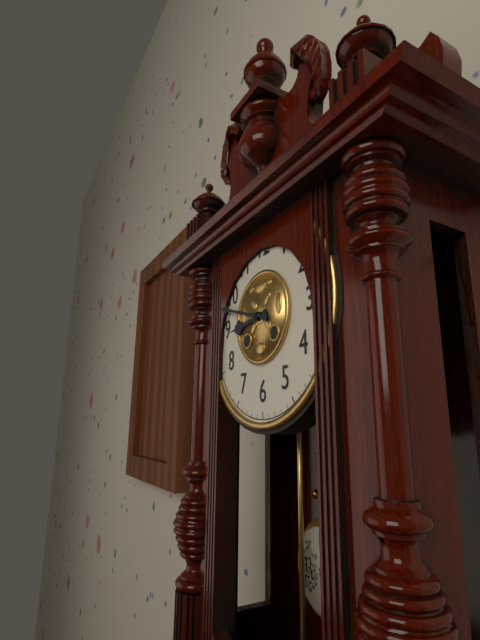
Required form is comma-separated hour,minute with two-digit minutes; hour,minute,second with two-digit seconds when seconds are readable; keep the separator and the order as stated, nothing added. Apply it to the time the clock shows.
8,48
